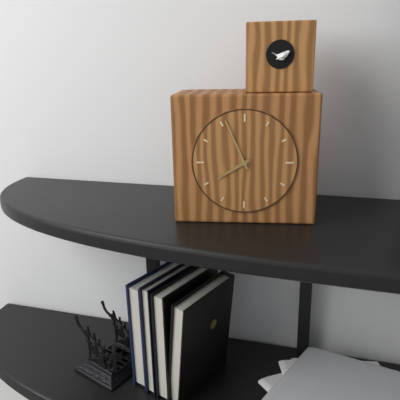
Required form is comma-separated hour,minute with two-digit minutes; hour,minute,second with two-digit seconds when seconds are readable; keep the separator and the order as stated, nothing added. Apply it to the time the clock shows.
7,56
